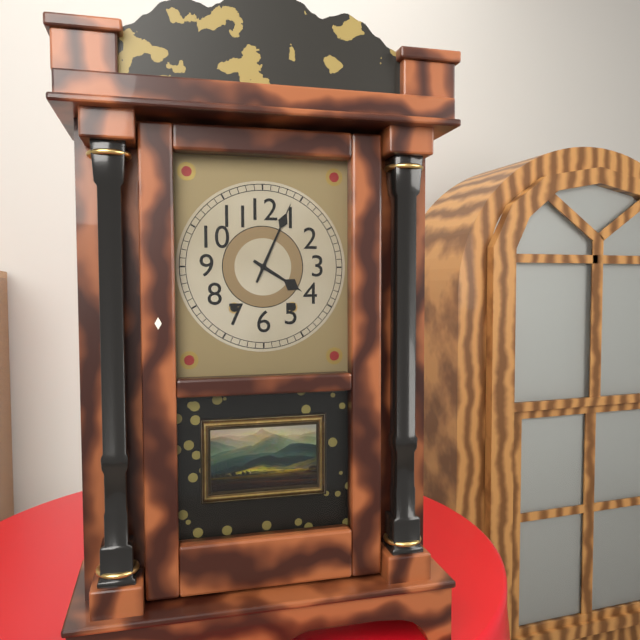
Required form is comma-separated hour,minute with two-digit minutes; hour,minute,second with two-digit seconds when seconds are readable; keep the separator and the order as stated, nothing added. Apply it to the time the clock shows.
4,04
